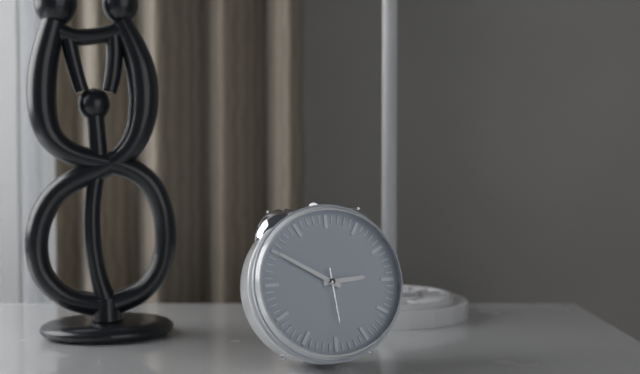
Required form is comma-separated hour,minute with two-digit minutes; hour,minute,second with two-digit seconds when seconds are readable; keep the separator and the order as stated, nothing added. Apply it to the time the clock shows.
2,50,29
